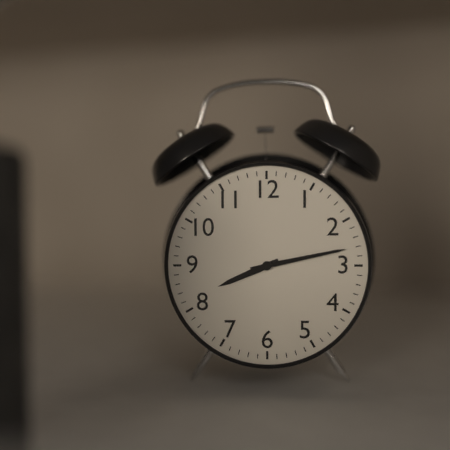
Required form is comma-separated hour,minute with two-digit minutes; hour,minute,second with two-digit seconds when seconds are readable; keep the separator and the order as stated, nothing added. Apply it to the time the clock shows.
8,13
